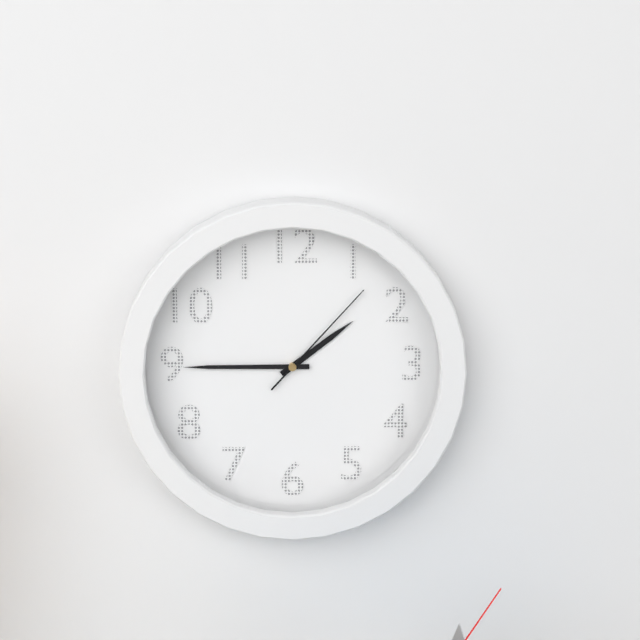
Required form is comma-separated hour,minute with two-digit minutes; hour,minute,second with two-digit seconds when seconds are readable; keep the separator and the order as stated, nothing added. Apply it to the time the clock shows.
1,45,07
